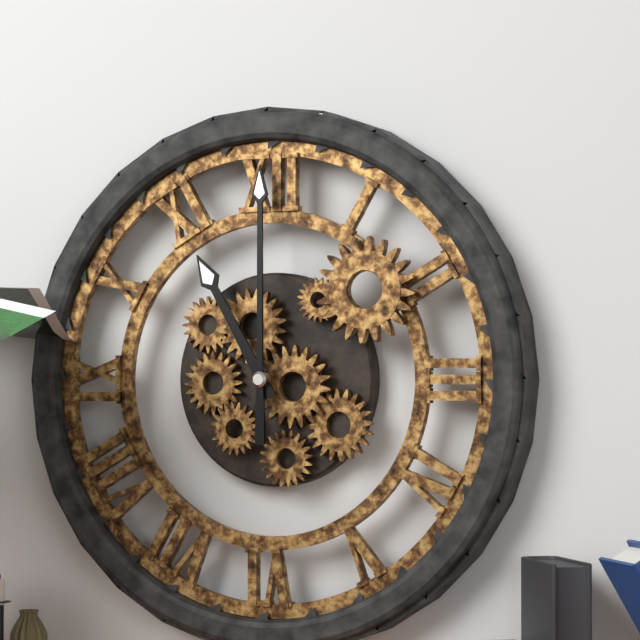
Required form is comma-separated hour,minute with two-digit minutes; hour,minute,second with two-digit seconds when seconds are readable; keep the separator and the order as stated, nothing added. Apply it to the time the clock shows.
11,00
